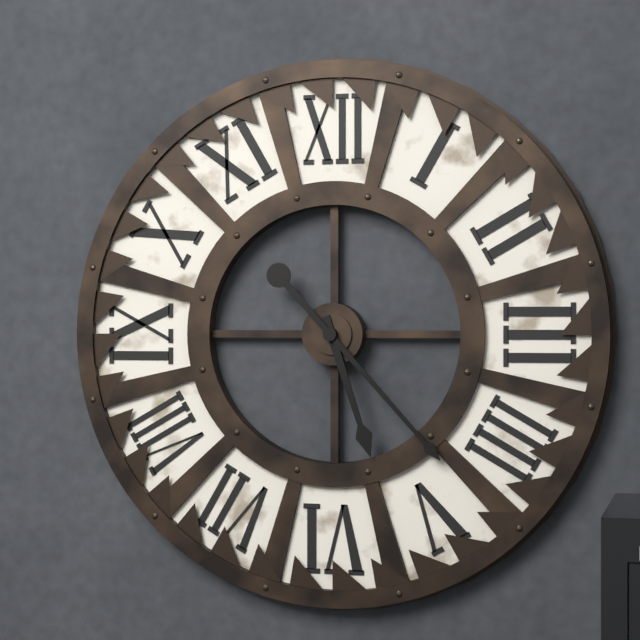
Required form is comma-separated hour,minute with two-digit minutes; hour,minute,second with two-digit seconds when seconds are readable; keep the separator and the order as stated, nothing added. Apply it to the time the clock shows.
5,23
